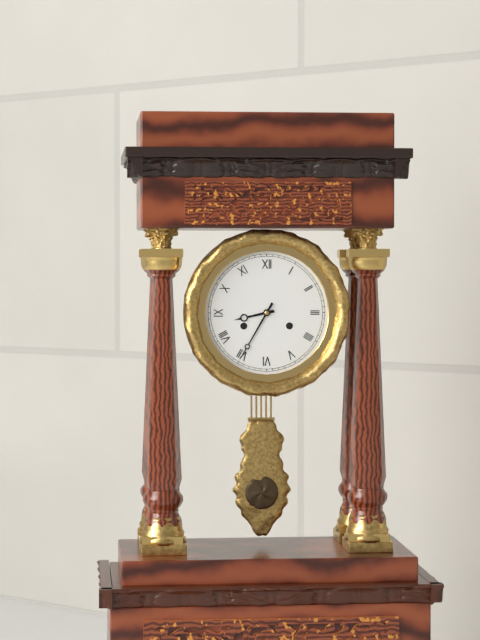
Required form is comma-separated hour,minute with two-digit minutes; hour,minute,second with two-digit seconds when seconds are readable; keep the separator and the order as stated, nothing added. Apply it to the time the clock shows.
8,35
